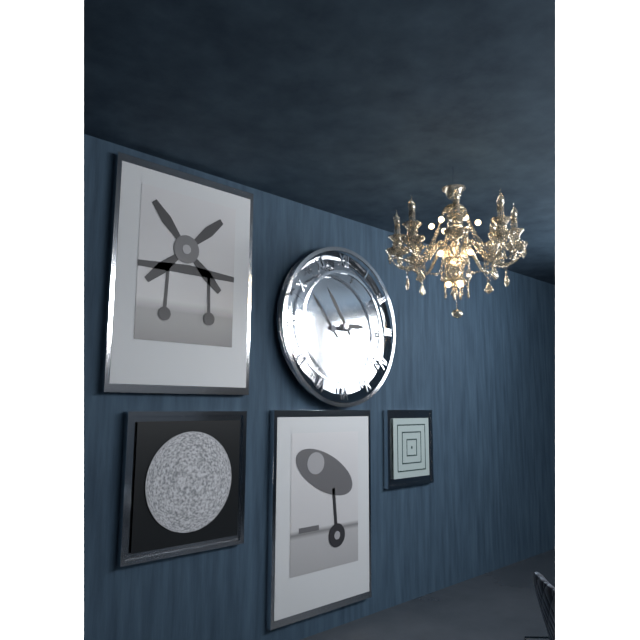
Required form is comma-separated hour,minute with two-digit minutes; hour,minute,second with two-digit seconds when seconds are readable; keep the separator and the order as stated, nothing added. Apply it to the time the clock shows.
2,54
